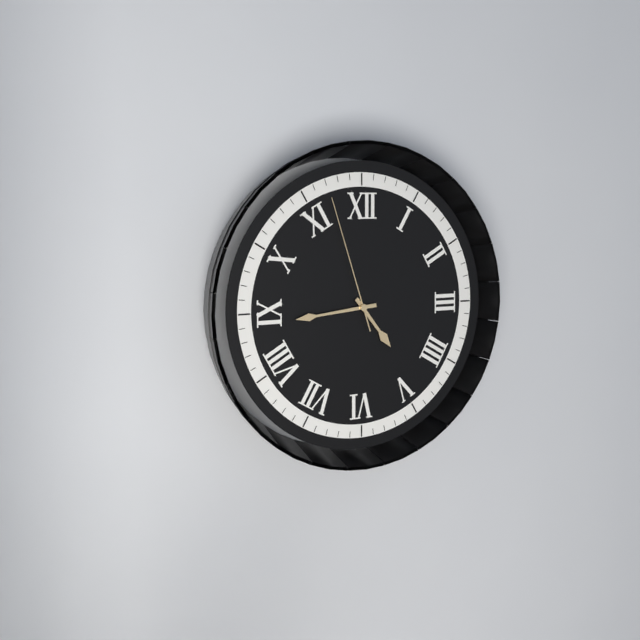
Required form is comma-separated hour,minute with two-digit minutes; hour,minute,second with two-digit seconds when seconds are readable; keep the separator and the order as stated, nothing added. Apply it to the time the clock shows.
4,44,57
